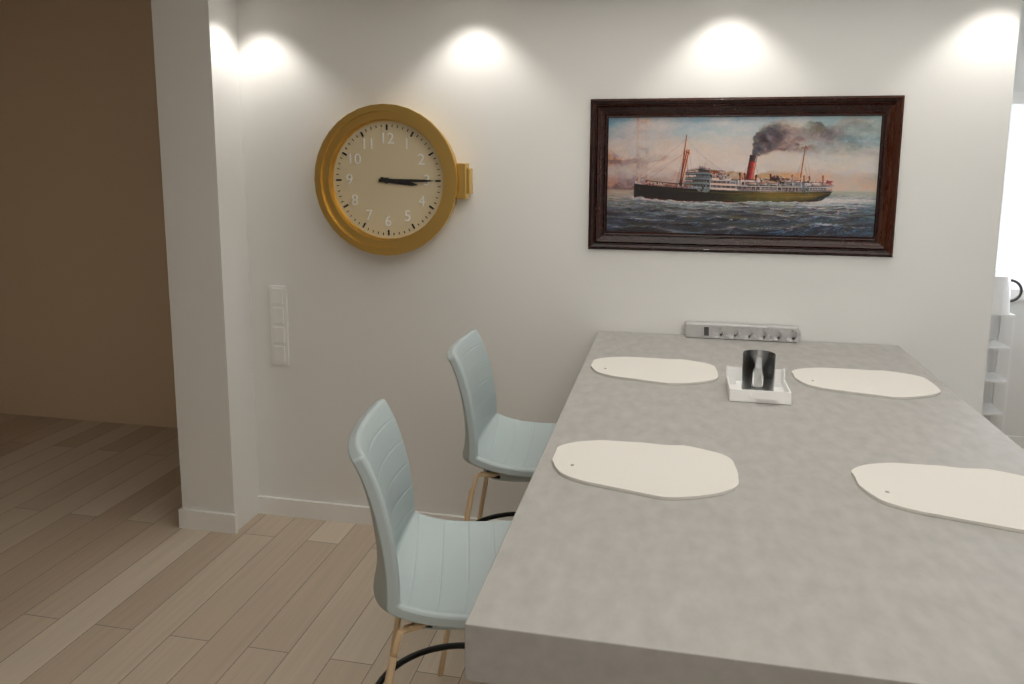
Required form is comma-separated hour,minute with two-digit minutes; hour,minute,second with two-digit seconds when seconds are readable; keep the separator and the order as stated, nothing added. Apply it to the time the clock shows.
3,15
